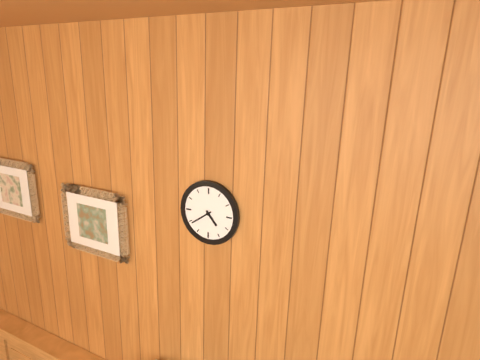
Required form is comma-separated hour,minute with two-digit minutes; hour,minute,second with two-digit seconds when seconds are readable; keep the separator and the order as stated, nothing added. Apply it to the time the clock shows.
4,39
